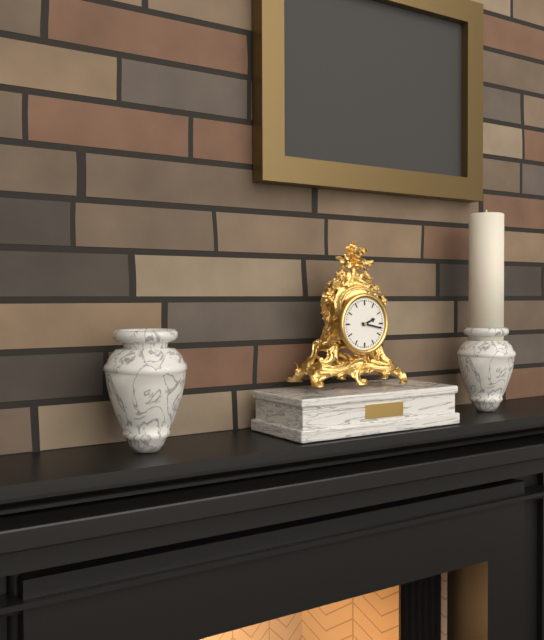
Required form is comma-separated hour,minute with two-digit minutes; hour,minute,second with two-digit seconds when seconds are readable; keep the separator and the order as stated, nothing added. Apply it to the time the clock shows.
2,17
